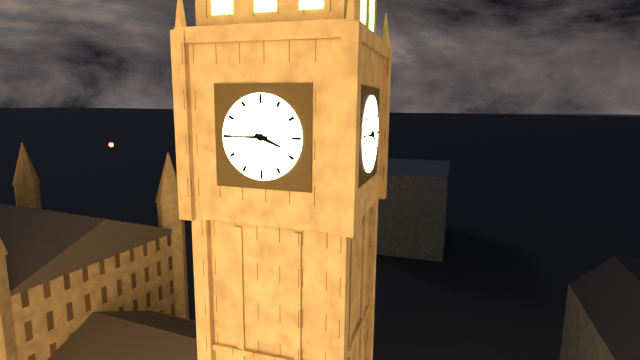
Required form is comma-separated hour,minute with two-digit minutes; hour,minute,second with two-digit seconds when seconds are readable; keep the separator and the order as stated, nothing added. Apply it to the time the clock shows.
3,45
